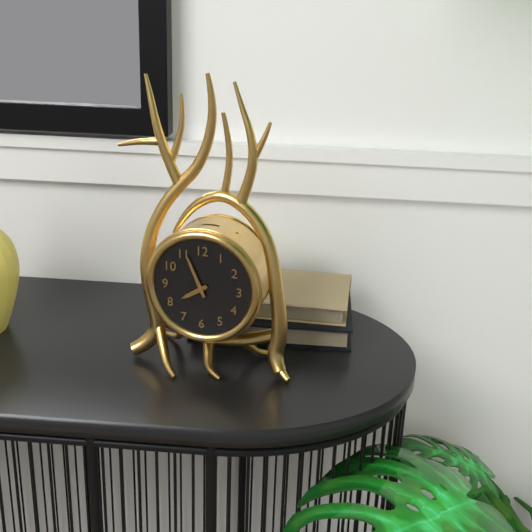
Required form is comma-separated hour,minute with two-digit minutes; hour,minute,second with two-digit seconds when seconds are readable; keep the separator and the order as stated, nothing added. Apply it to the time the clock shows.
7,56
